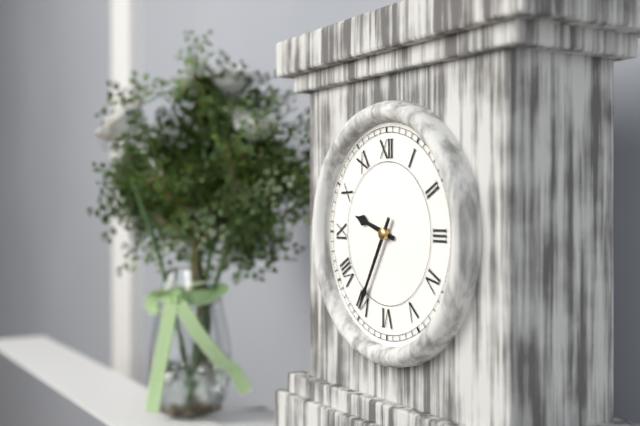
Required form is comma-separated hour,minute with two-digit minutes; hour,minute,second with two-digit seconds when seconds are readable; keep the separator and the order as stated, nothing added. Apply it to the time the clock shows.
9,35
